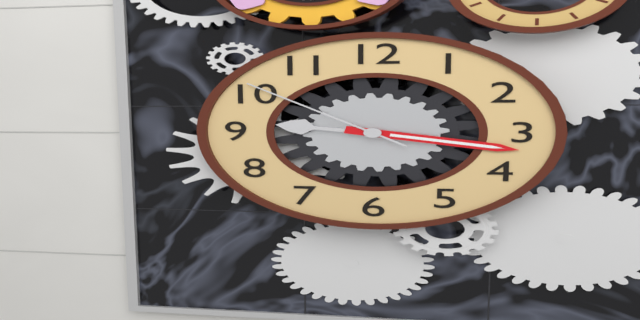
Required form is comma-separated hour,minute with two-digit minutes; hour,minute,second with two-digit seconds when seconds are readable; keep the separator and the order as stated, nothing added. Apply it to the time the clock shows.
9,17,51
